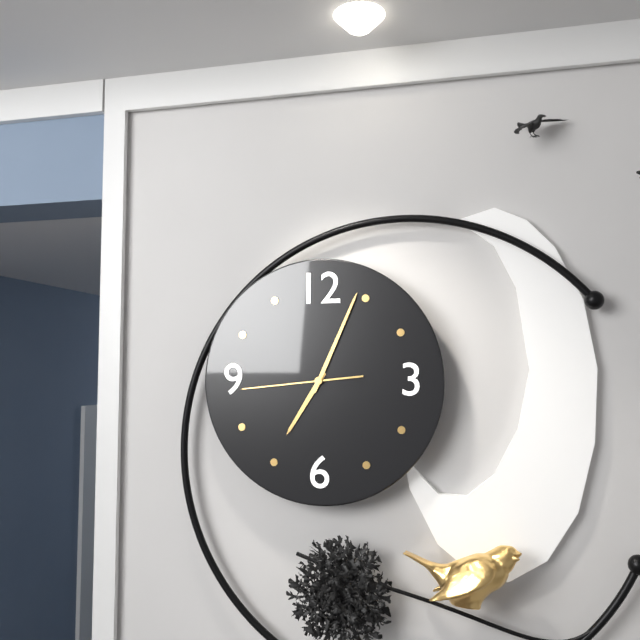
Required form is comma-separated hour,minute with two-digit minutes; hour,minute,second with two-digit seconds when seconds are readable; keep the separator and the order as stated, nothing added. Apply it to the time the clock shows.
7,04,44
